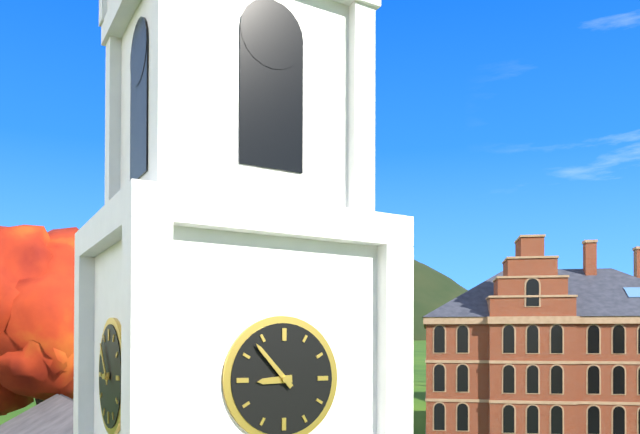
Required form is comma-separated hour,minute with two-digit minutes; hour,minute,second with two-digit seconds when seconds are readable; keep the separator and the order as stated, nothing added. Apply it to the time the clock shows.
8,53
